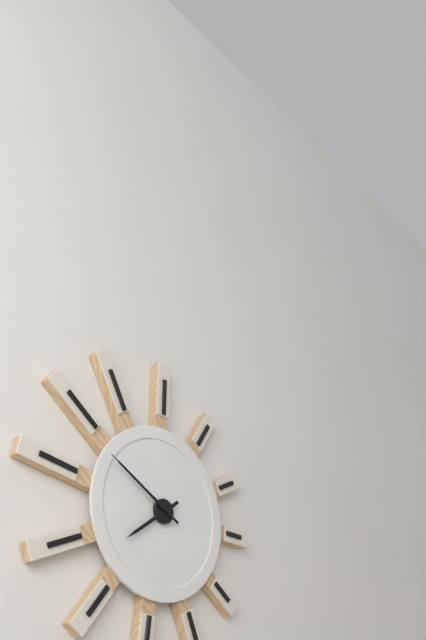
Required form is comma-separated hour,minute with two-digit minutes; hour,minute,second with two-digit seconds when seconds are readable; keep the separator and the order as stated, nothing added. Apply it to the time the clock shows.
7,50
